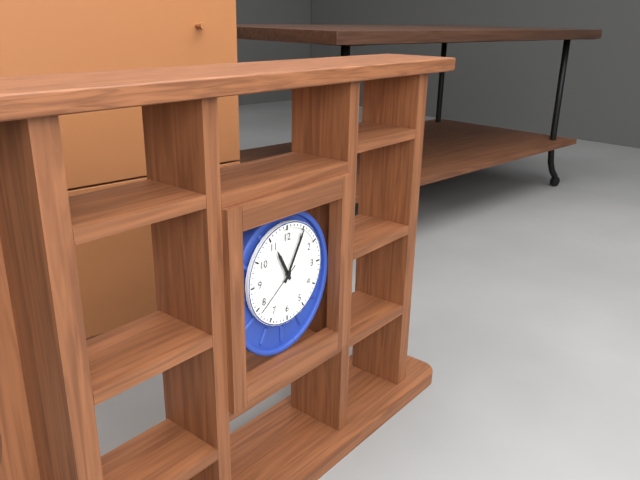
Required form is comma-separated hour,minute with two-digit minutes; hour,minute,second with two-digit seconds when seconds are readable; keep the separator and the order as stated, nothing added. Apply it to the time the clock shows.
11,05,39
